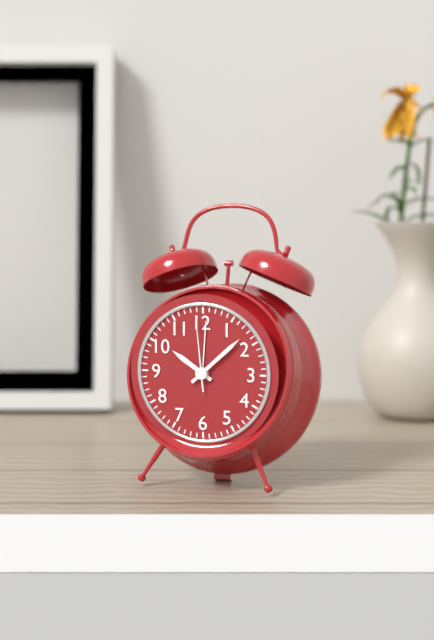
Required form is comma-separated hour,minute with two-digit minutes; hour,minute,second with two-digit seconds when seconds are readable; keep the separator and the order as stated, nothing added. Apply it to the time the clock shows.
10,08,59
